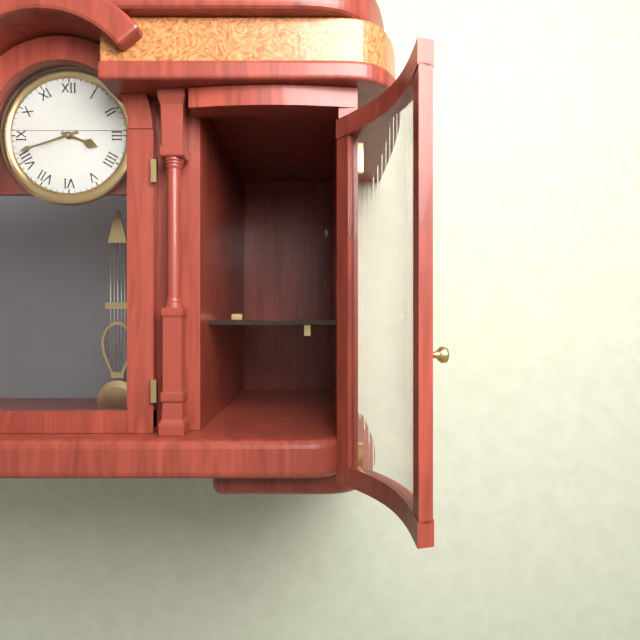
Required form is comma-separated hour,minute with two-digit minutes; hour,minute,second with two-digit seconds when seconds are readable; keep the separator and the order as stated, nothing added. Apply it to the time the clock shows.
3,42
